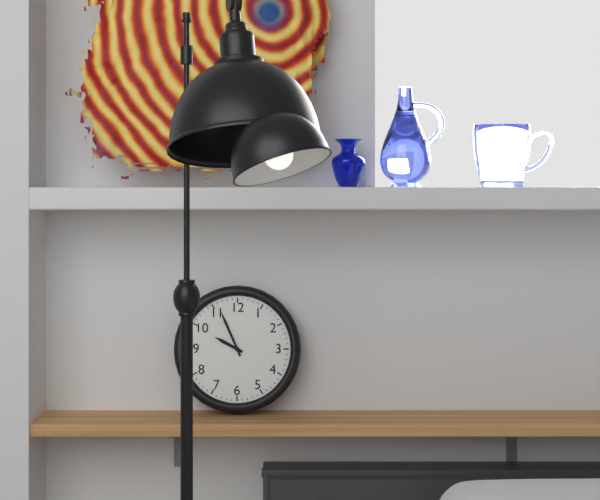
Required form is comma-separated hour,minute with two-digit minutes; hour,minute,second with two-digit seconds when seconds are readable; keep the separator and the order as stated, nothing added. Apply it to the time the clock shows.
9,56
